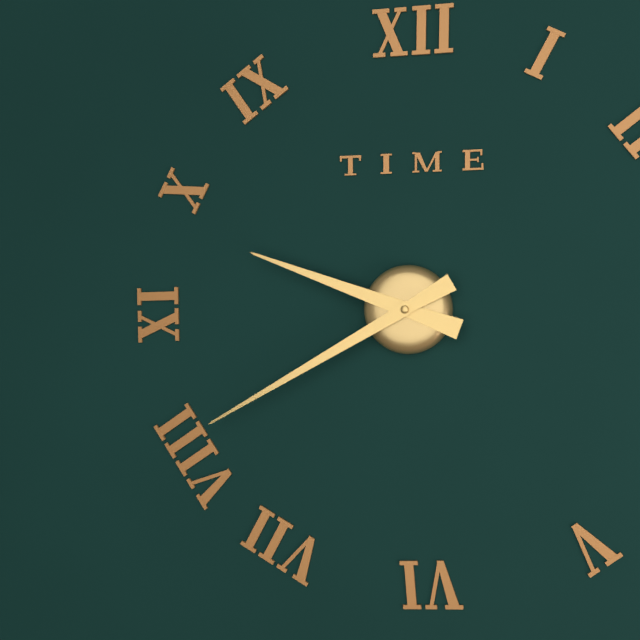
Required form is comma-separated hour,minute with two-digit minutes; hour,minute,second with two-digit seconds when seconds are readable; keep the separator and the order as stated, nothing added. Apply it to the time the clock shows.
9,40
